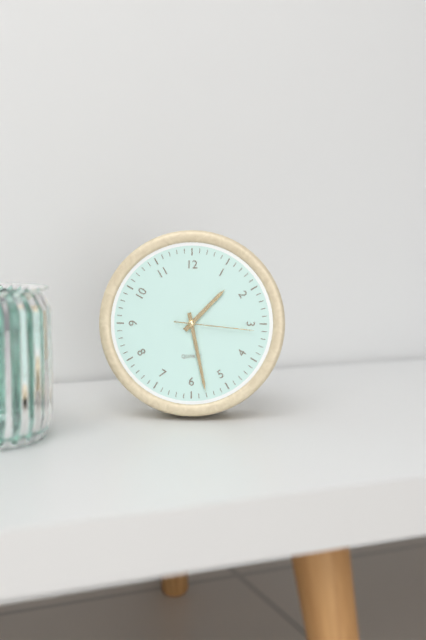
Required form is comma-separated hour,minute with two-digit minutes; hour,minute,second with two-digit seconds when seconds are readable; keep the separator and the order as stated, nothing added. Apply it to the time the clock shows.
1,28,16
